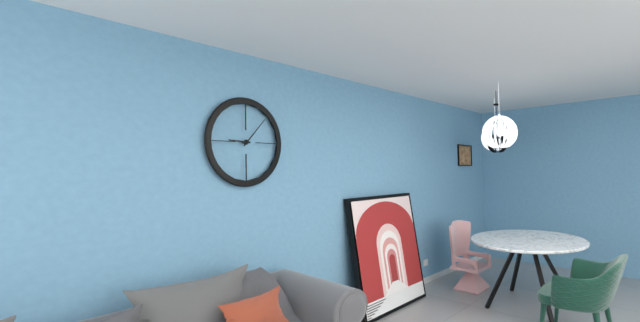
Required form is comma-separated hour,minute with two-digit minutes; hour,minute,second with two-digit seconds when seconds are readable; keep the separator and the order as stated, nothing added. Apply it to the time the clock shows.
9,07
